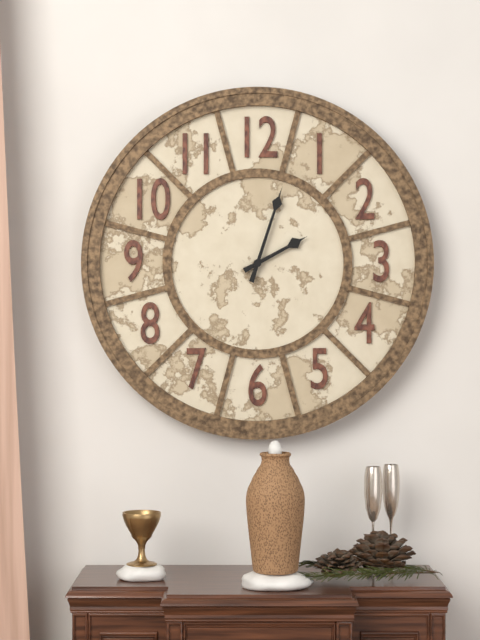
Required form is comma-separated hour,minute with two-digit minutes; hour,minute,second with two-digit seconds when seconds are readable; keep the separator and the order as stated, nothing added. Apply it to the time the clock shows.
2,03
